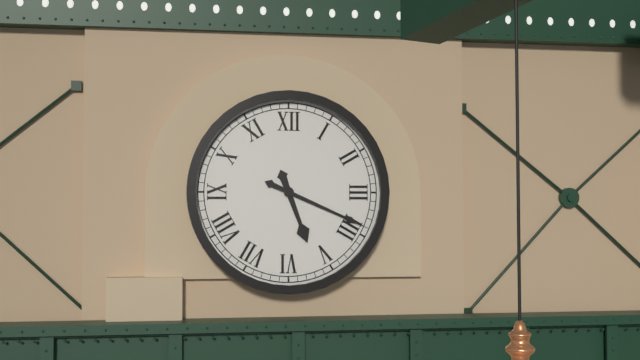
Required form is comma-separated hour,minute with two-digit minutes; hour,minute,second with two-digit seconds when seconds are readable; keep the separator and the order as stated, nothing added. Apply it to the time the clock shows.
5,19
